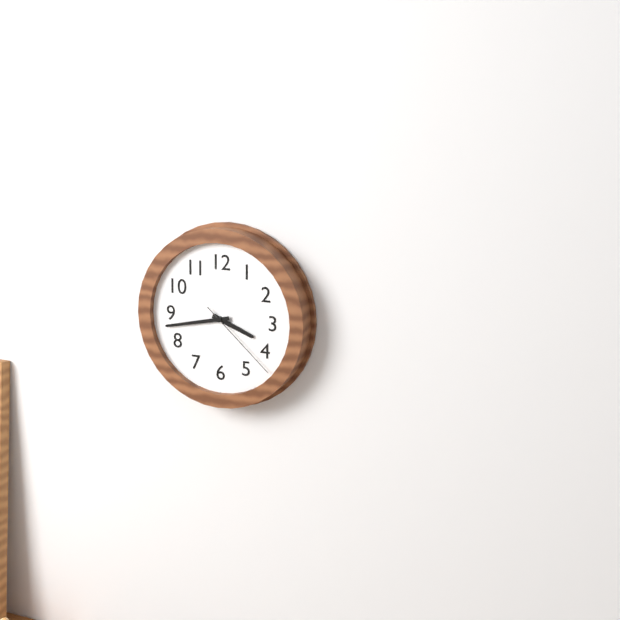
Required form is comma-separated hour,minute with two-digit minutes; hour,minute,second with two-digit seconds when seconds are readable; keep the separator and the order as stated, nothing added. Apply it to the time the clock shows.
3,43,22
